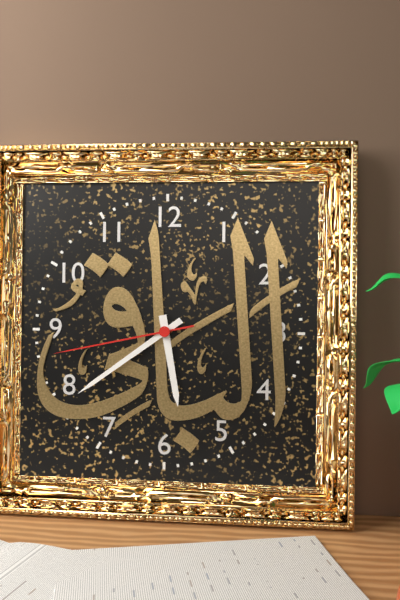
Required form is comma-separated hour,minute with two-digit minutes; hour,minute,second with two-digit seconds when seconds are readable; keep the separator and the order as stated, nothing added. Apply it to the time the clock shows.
5,39,43
